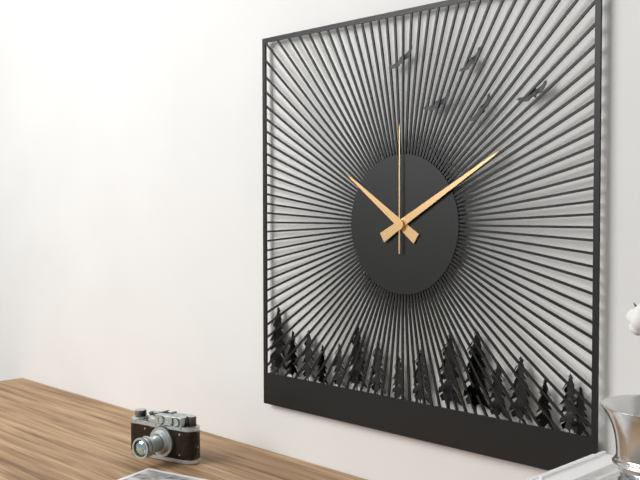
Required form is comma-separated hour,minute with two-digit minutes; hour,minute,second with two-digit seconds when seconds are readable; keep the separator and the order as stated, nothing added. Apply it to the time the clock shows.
10,10,00
